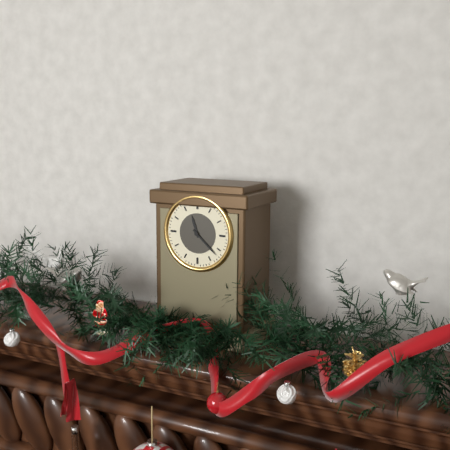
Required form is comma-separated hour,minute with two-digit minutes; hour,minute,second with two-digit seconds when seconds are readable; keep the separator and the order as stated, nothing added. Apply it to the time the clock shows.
11,22
